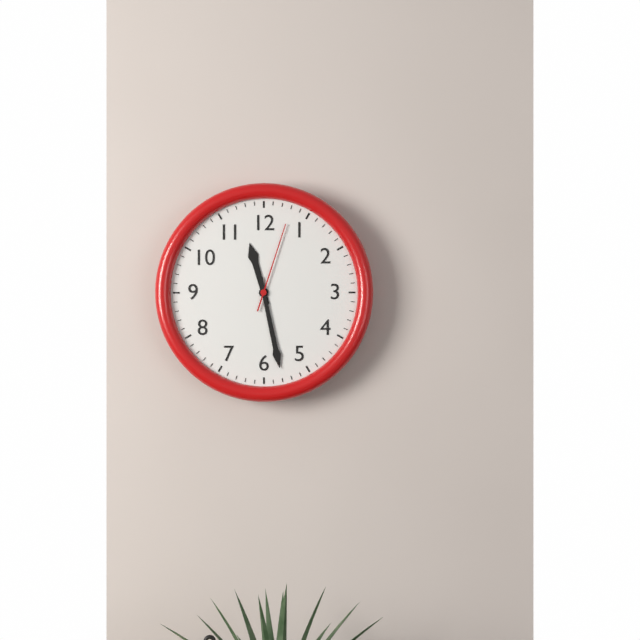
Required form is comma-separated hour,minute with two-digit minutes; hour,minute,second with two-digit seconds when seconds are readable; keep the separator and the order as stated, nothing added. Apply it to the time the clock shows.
11,28,03
